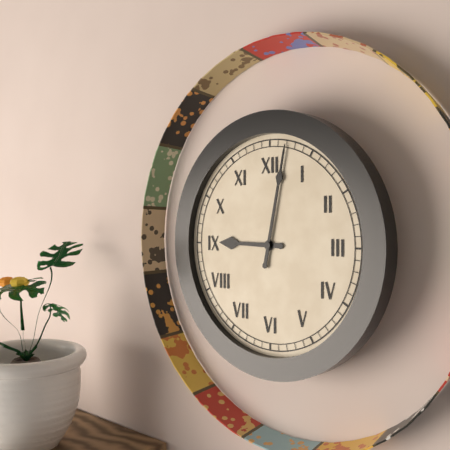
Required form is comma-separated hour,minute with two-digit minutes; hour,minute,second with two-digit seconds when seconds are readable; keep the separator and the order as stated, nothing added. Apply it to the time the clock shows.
9,02
